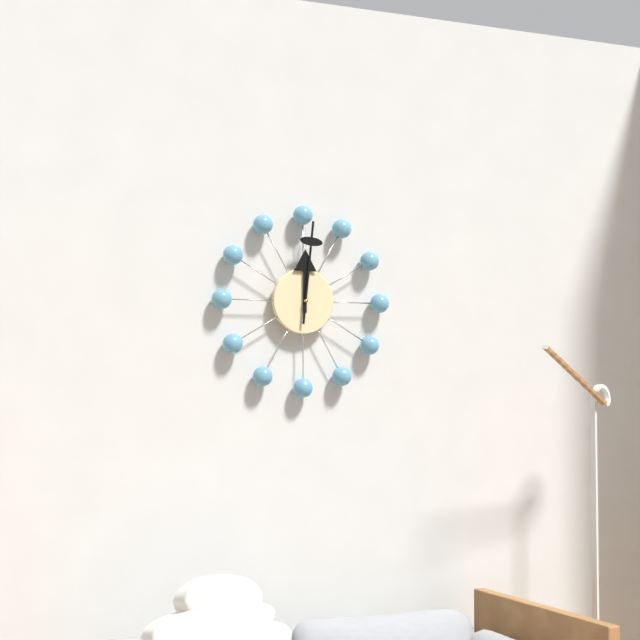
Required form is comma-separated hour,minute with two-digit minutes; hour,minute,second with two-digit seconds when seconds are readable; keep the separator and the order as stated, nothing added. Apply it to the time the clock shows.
12,01
